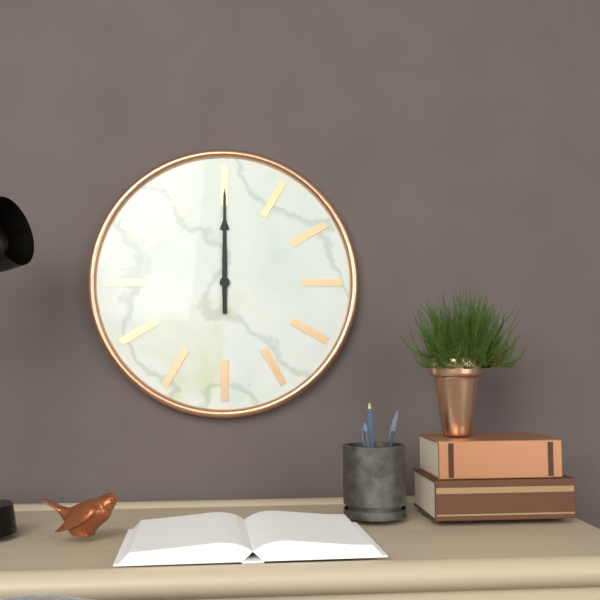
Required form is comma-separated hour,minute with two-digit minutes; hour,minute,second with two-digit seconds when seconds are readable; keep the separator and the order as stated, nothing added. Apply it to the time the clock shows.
12,00
